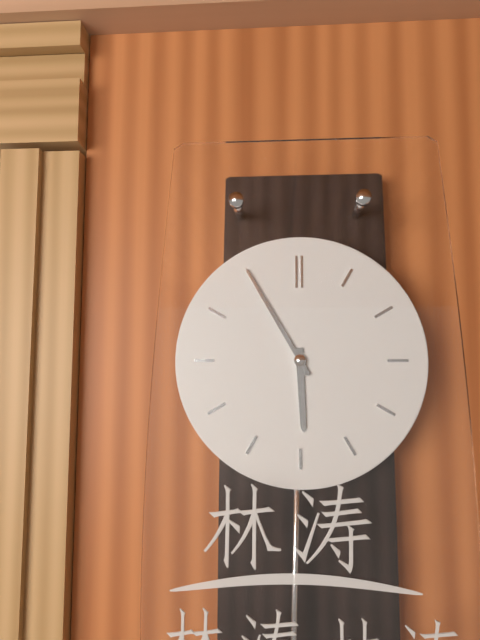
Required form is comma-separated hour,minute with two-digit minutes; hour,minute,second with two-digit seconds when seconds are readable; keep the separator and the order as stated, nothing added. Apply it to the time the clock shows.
5,55
